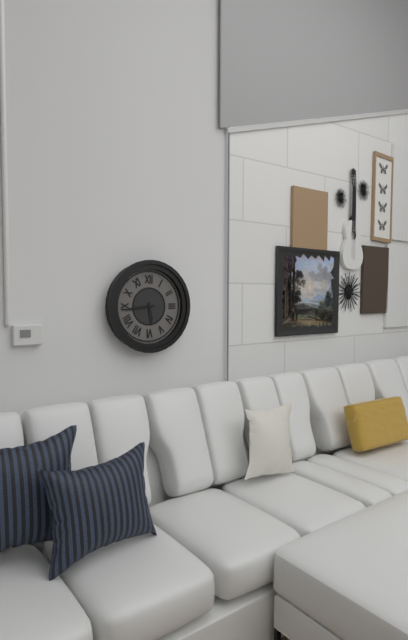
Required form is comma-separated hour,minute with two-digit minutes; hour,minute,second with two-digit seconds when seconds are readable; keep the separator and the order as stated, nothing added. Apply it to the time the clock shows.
5,44
